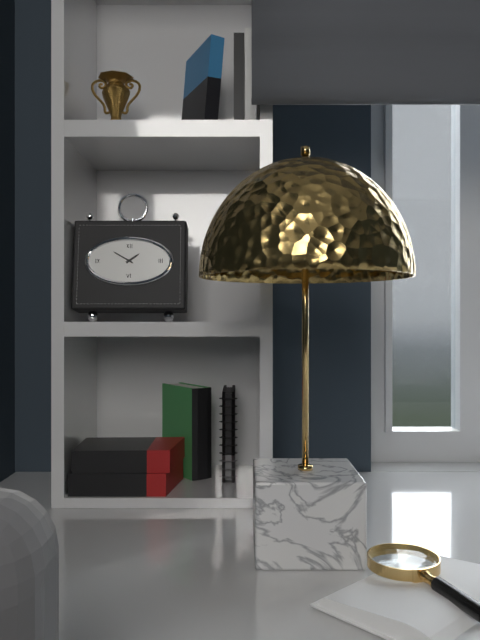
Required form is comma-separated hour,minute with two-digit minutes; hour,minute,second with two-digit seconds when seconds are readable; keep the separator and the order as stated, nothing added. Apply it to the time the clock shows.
1,50
